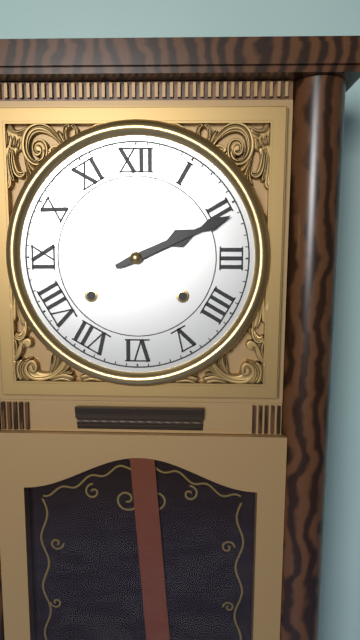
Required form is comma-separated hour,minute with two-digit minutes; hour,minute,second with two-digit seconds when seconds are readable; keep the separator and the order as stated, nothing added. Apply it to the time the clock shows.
2,11
